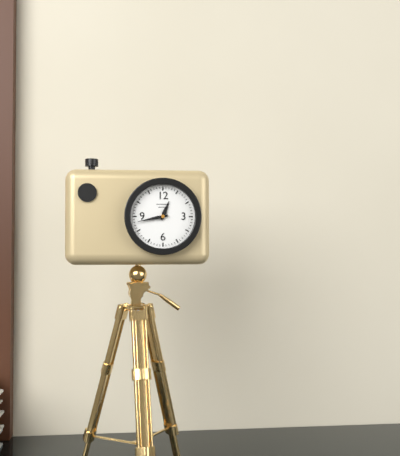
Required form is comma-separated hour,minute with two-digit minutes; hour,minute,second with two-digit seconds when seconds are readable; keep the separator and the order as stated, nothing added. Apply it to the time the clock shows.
12,43
